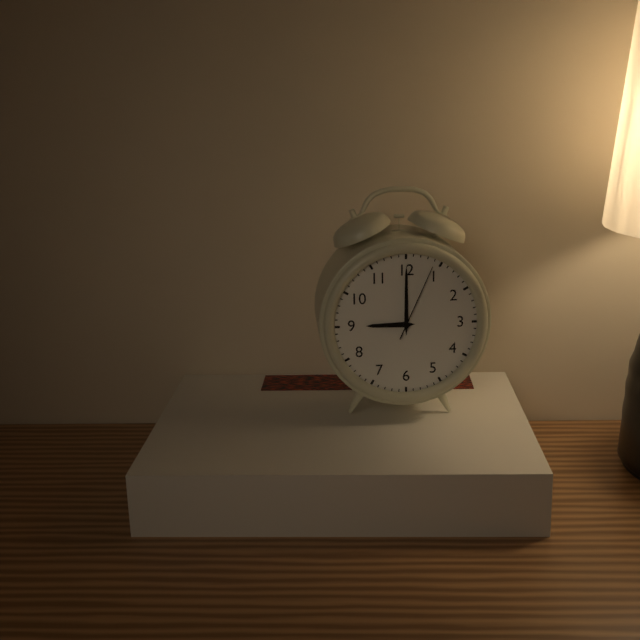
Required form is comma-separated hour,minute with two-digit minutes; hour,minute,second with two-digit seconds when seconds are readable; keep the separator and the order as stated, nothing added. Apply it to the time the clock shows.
9,00,04
